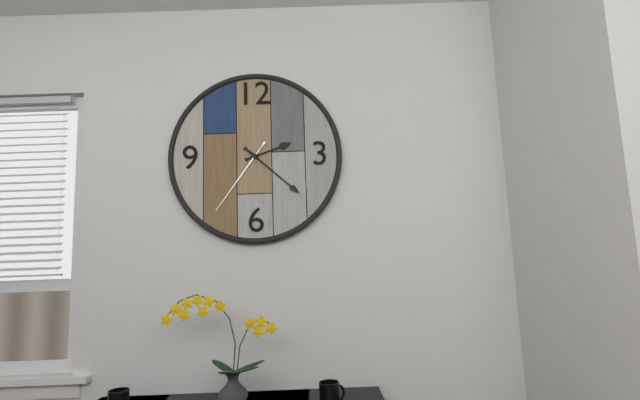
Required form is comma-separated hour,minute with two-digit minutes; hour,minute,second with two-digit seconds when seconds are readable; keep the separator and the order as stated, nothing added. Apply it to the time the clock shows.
2,22,36
